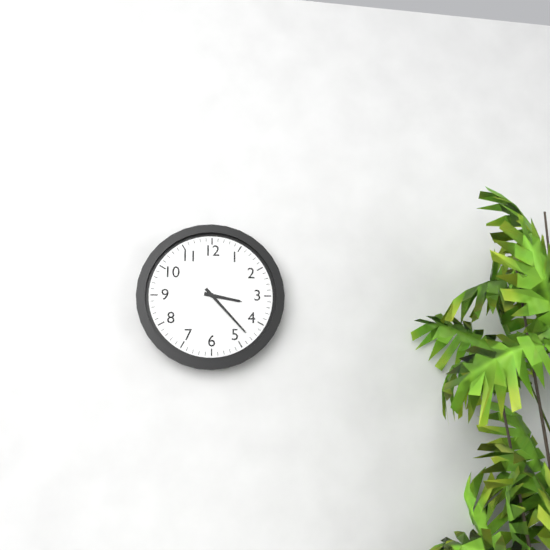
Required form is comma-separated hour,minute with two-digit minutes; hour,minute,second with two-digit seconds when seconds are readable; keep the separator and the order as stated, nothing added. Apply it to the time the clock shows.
3,23
